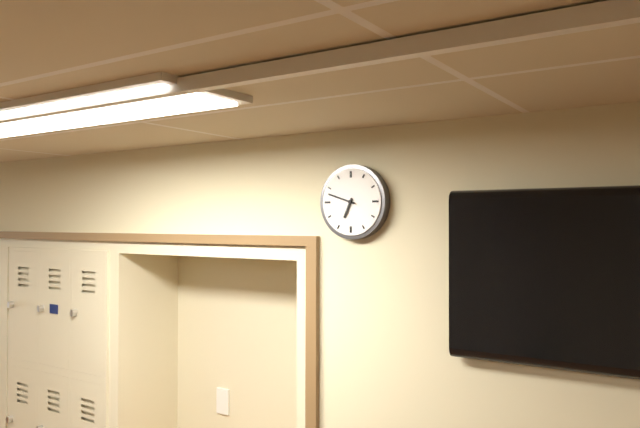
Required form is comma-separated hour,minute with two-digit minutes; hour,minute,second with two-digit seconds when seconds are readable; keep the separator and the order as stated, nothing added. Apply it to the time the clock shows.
6,48
